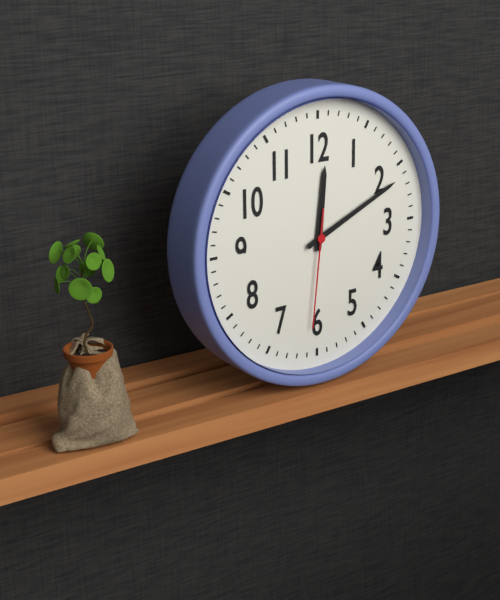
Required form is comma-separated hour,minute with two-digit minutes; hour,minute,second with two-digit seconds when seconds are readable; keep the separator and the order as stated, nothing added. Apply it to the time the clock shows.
12,11,31
